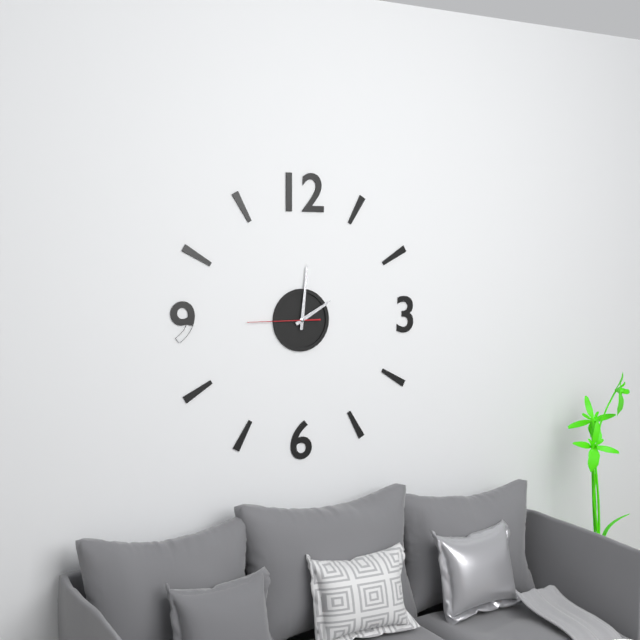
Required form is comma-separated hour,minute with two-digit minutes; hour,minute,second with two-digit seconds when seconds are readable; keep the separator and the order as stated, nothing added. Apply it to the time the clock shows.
2,01,45
